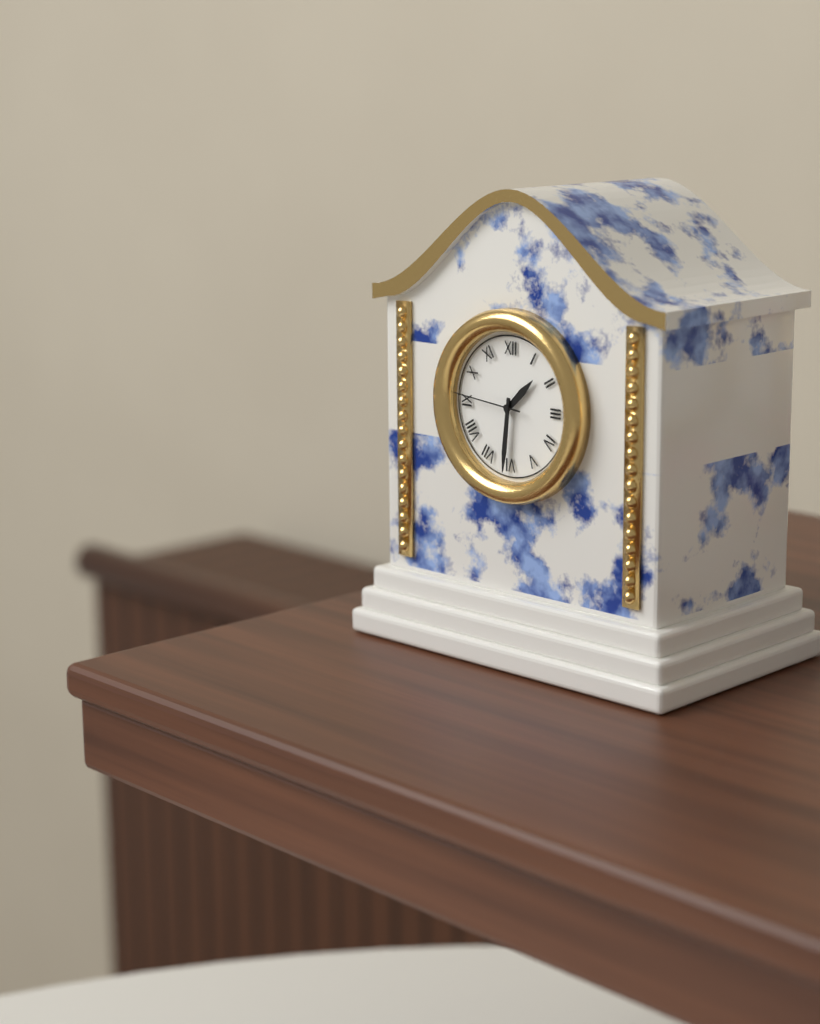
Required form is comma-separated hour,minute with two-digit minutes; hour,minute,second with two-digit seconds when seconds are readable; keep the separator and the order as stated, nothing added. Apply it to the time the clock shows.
1,31,46
